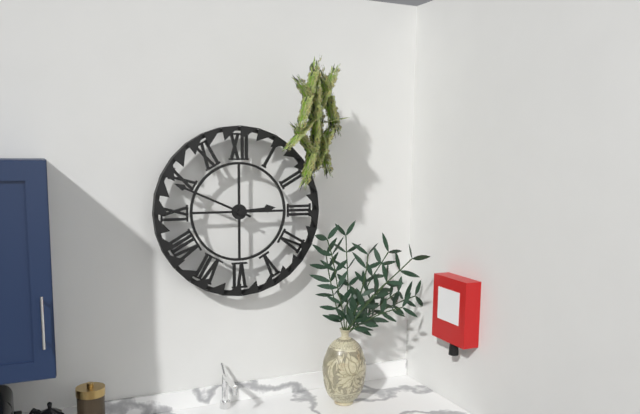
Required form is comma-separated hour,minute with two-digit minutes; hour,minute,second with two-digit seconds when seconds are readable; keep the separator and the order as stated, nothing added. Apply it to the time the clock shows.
2,49
